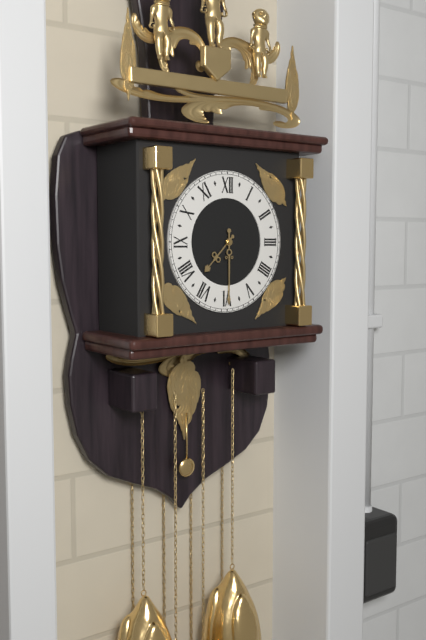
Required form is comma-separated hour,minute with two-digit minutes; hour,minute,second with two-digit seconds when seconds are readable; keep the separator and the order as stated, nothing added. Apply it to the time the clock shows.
7,30
